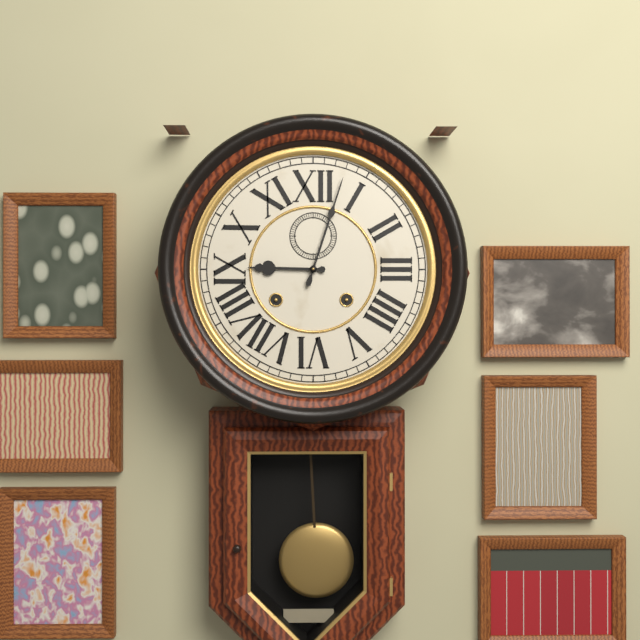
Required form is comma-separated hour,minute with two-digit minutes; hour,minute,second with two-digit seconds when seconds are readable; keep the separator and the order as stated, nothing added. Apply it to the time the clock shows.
9,03
